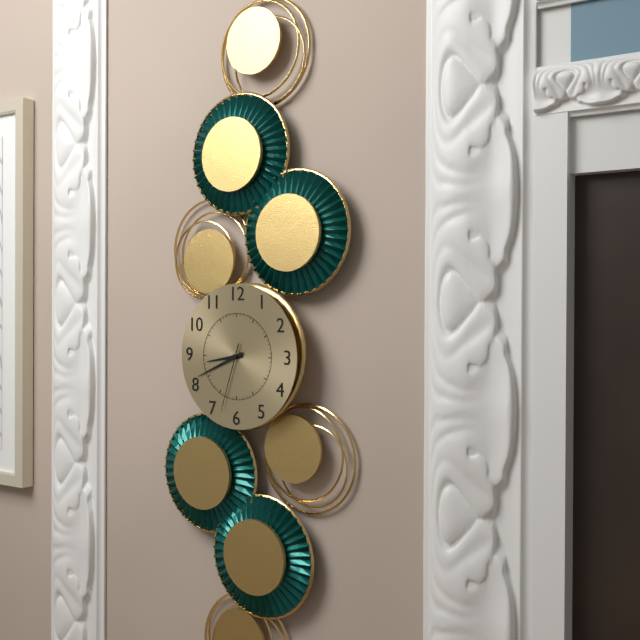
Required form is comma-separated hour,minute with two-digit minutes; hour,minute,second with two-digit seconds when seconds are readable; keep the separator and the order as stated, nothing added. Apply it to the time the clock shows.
8,41,33
